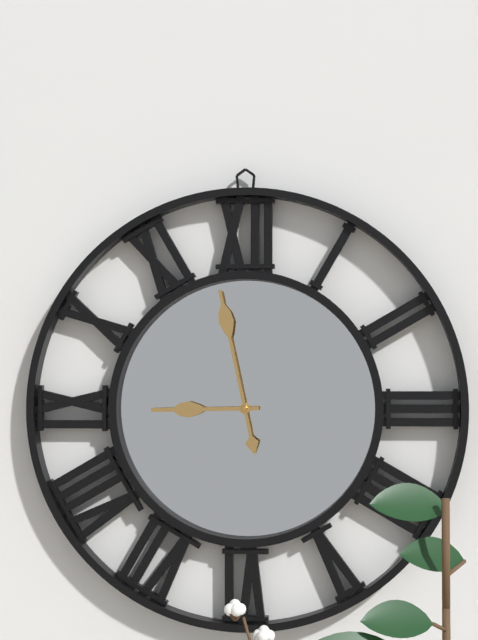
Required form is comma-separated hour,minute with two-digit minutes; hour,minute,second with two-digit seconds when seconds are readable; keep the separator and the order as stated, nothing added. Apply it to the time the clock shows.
8,58
